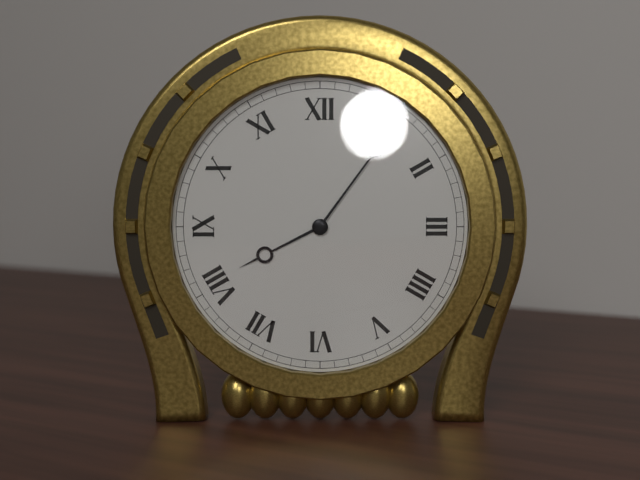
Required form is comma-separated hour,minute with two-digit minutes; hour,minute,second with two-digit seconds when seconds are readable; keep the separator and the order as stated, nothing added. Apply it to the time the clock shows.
8,06
